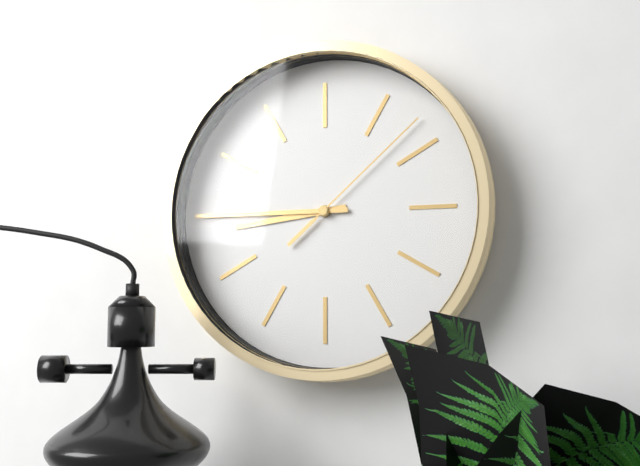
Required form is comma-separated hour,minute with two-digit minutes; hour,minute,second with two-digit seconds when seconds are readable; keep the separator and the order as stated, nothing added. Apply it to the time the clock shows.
8,45,08
